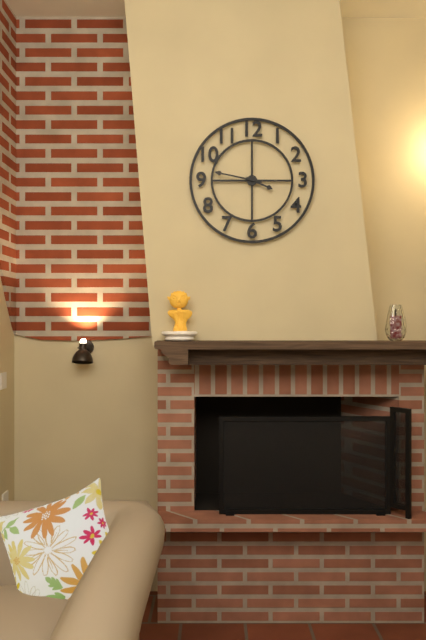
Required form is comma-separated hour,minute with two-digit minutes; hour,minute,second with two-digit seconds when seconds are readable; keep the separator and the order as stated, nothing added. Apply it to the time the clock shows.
3,47
